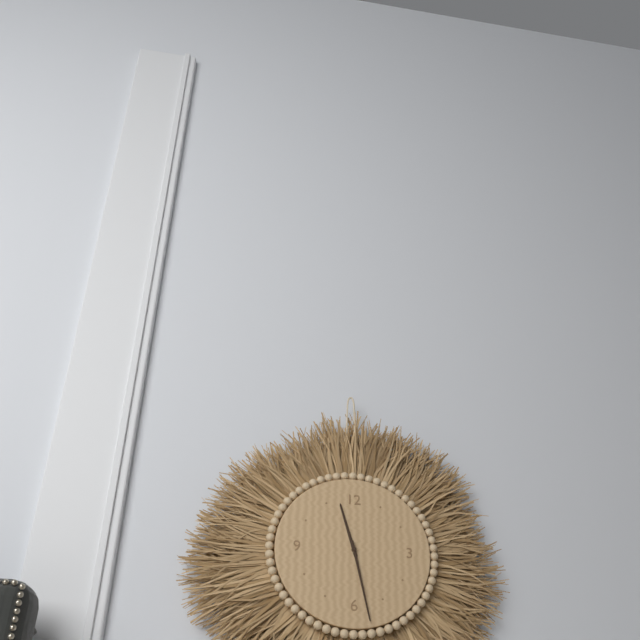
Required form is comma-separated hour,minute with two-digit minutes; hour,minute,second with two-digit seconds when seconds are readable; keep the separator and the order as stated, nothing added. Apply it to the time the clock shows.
11,28
